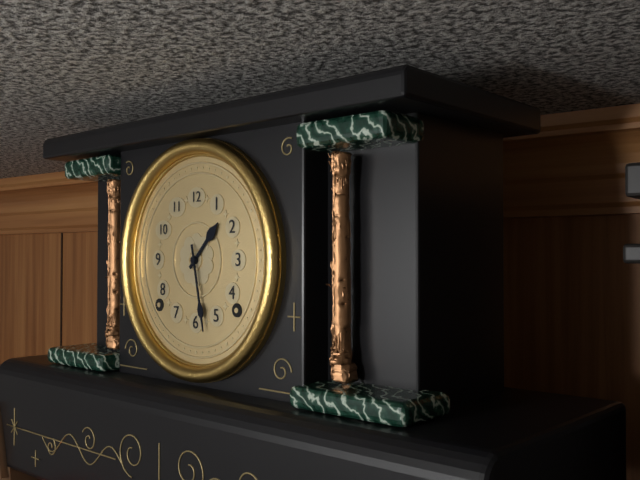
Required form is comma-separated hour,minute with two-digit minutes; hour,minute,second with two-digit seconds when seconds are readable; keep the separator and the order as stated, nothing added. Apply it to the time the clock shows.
1,28
